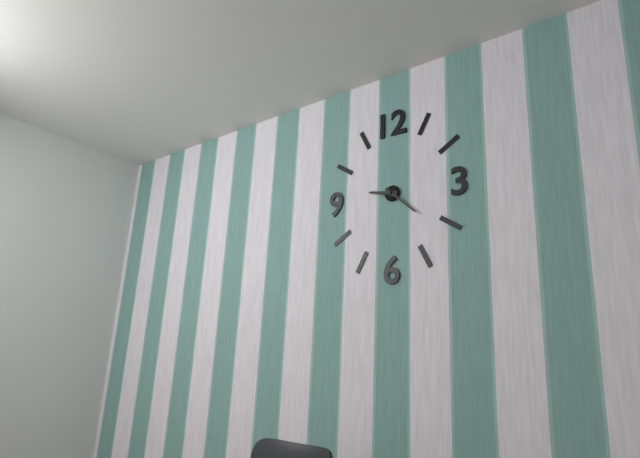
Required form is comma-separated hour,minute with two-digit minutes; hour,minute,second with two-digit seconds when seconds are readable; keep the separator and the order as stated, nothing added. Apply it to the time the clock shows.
9,22
